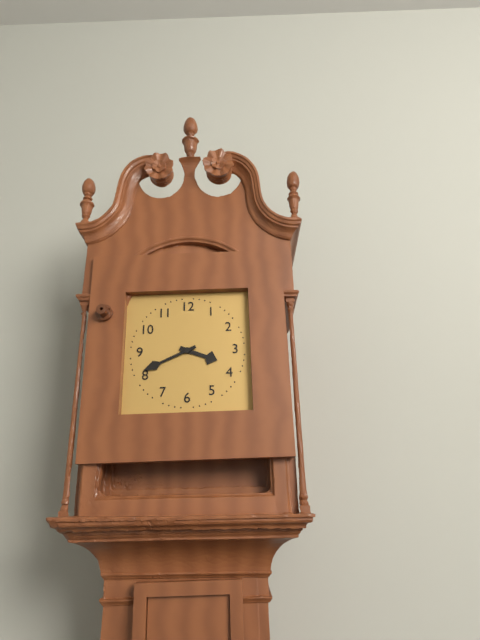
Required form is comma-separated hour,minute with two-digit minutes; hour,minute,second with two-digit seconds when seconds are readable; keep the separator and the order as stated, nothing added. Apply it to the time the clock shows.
3,41
